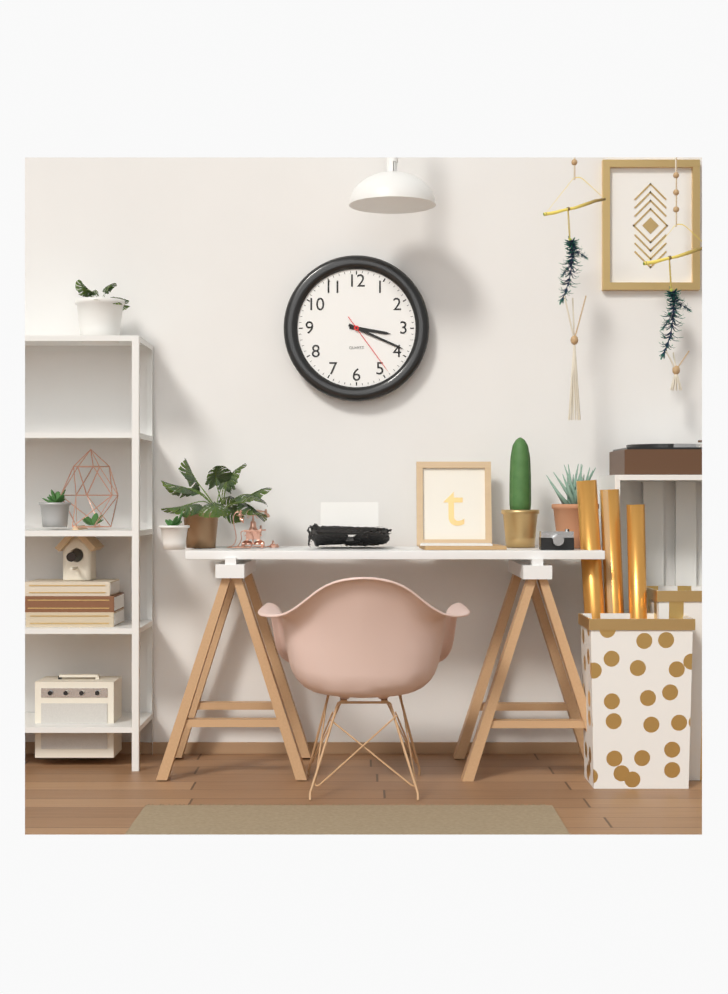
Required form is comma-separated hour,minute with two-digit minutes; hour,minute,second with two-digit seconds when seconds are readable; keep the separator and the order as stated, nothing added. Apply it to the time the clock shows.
3,19,24
